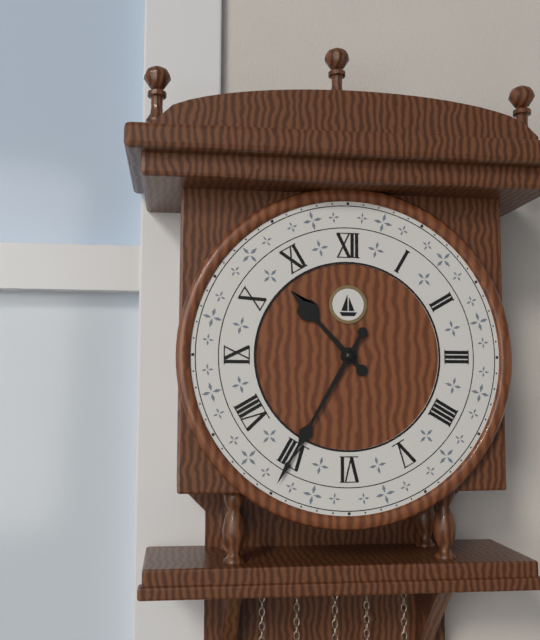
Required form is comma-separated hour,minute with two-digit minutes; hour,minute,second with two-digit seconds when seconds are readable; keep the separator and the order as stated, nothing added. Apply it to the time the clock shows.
10,35
